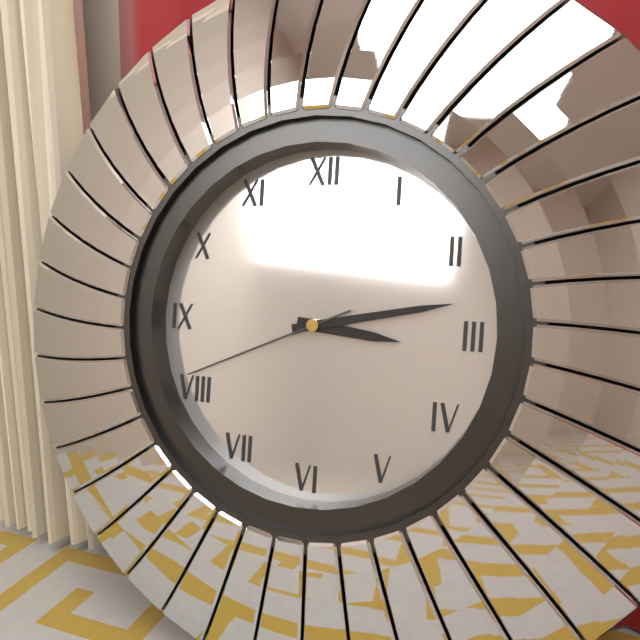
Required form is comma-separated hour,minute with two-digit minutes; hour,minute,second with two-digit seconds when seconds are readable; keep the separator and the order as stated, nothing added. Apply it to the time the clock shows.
3,13,41
